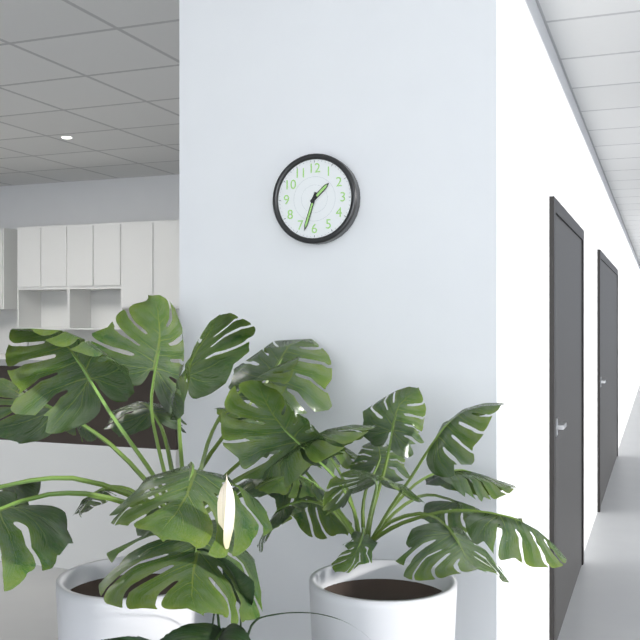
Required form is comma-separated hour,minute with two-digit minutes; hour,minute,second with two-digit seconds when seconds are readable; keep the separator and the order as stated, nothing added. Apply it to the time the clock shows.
1,33
